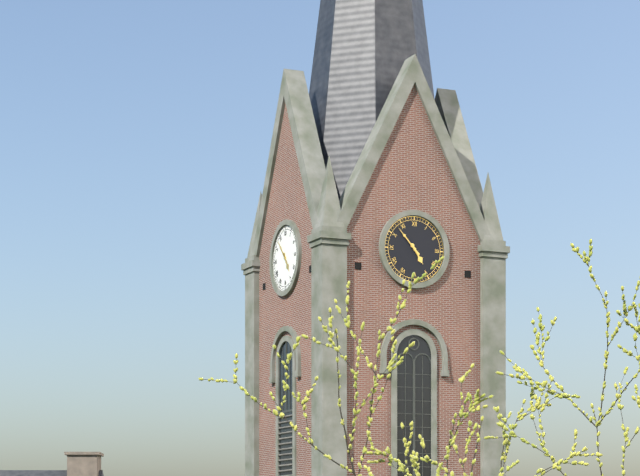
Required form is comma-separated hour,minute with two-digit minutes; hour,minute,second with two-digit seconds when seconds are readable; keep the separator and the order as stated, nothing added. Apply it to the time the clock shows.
4,53
